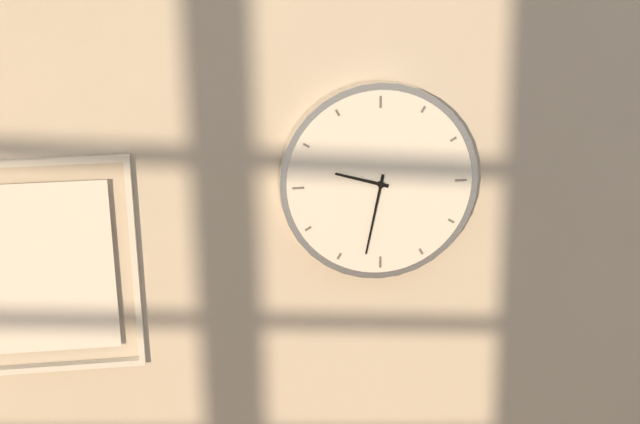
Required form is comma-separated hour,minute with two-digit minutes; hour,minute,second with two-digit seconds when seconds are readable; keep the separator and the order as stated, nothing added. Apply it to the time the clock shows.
9,32
